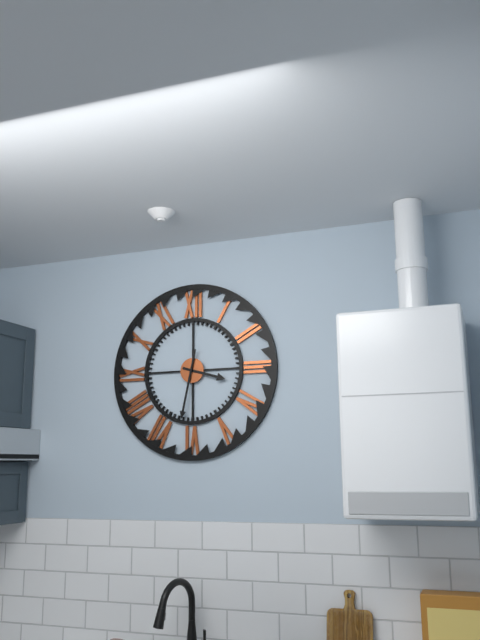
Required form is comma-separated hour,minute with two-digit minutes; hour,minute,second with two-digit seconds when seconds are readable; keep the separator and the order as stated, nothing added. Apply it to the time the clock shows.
3,32
